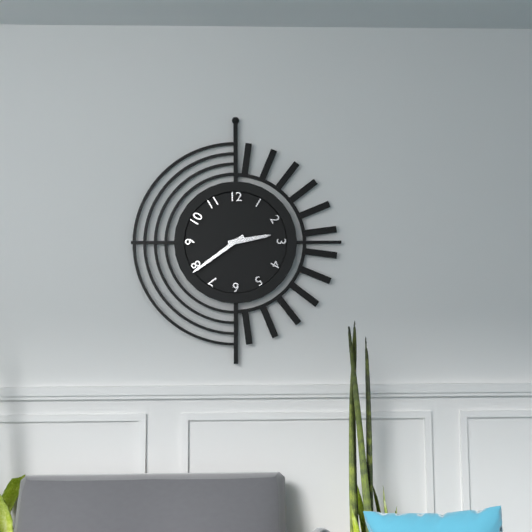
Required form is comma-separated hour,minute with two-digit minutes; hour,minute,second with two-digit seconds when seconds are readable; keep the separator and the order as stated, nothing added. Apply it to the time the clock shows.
2,39
